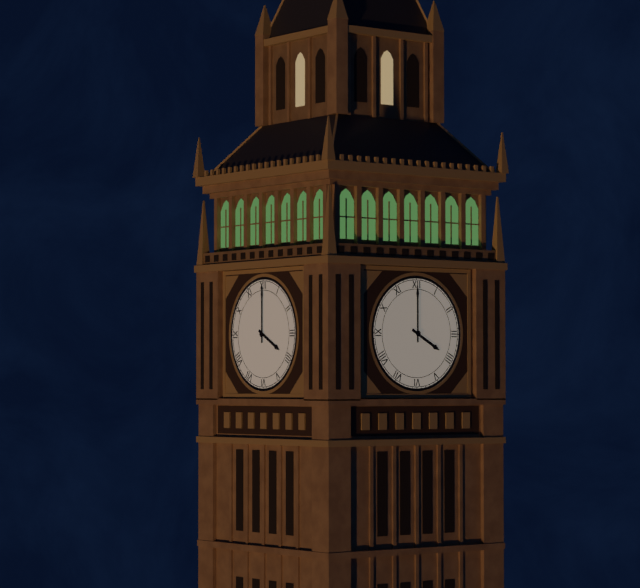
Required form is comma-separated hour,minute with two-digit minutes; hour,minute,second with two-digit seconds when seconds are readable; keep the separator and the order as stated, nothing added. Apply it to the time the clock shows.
4,00
